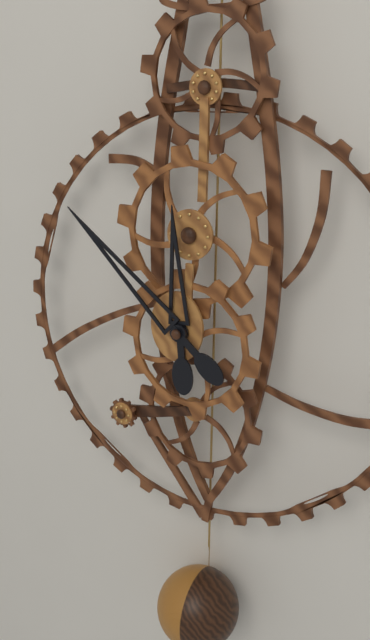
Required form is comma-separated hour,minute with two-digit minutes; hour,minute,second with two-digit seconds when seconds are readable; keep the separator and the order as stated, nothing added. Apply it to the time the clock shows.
11,52
